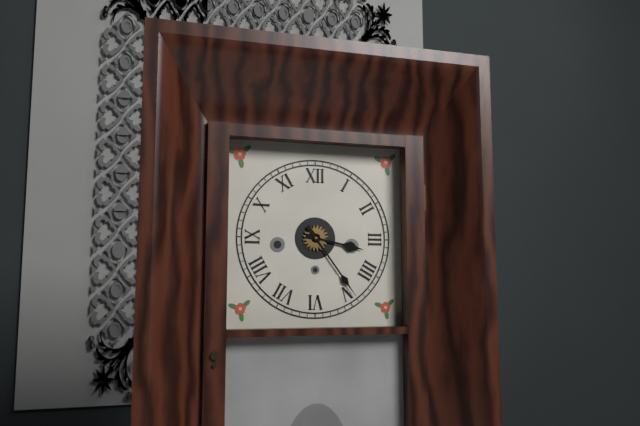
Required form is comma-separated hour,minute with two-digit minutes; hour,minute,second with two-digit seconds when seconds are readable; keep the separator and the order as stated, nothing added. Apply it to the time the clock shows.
3,24
